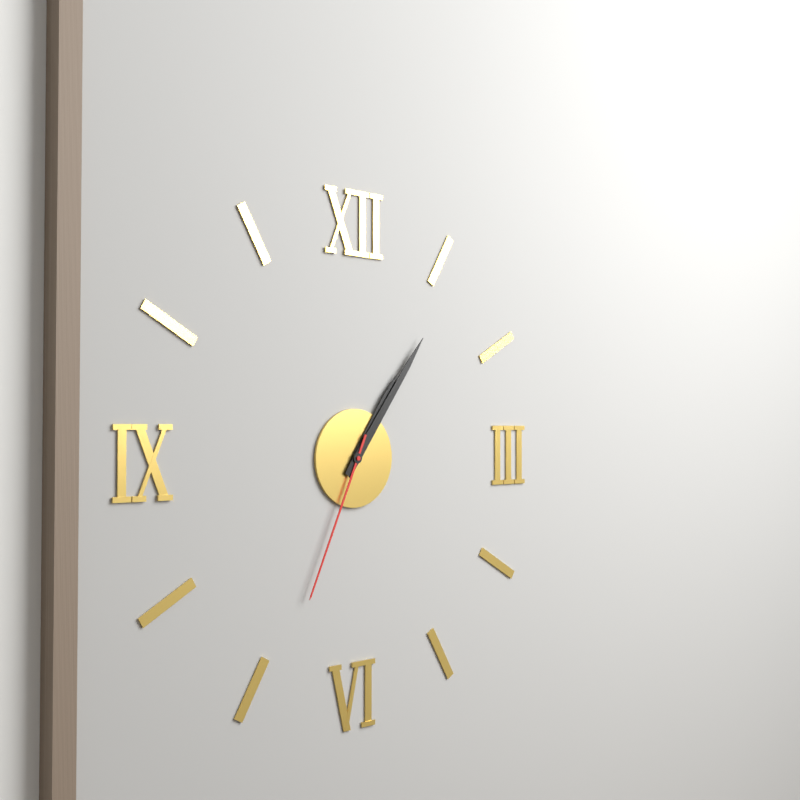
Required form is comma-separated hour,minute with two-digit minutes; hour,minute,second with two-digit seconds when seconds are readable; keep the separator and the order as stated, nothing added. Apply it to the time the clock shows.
1,06,34
